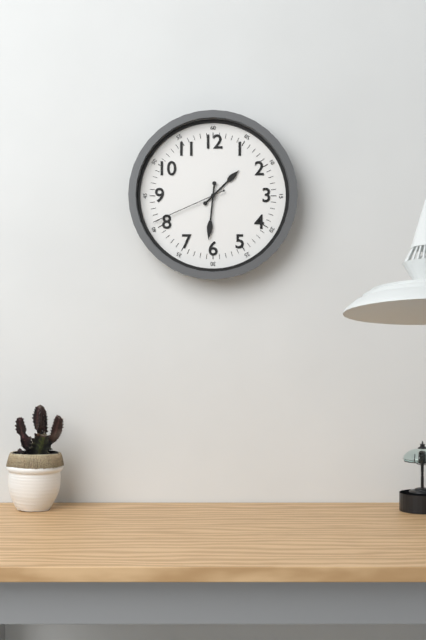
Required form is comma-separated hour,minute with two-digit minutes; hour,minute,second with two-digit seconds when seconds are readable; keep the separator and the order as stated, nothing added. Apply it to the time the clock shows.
1,31,41
